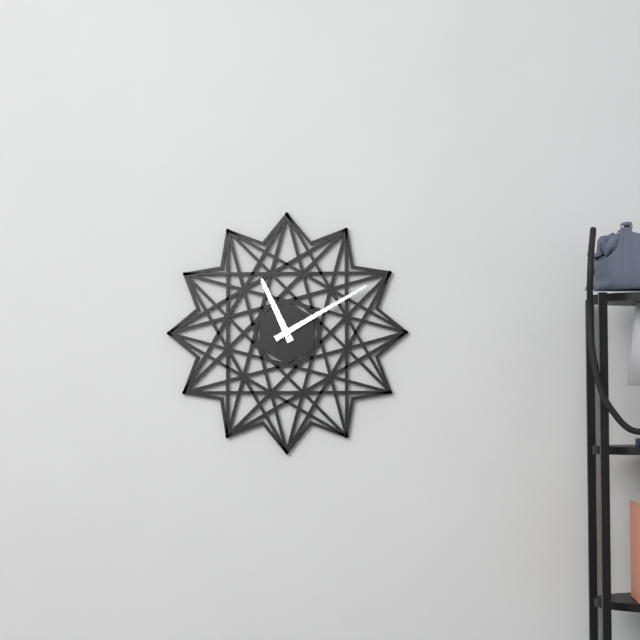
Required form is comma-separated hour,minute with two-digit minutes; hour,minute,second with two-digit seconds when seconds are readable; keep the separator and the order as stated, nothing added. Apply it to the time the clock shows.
11,10
